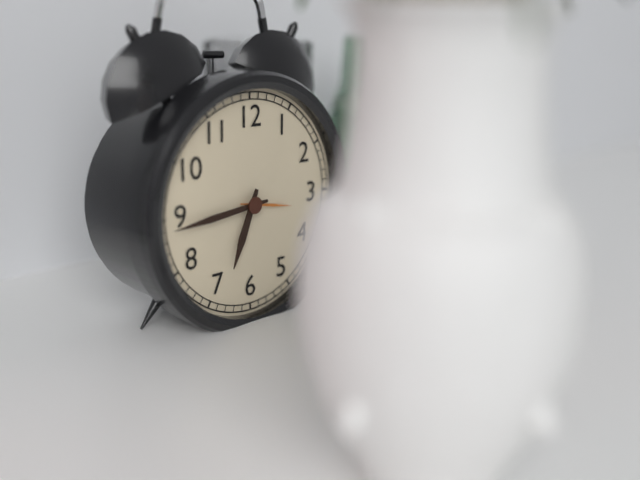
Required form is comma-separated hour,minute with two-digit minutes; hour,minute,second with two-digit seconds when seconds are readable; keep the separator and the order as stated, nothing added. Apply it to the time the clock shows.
6,44
